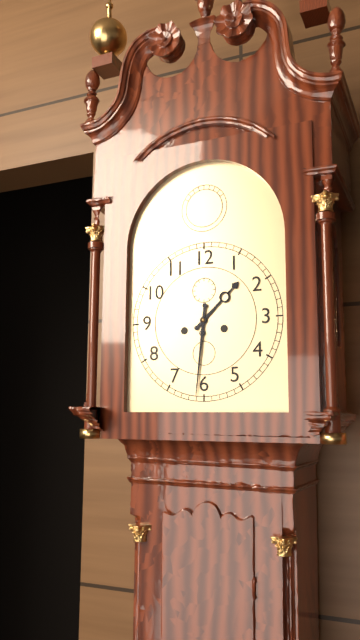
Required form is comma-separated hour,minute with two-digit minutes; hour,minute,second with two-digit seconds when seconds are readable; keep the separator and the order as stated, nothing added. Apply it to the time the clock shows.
1,31
